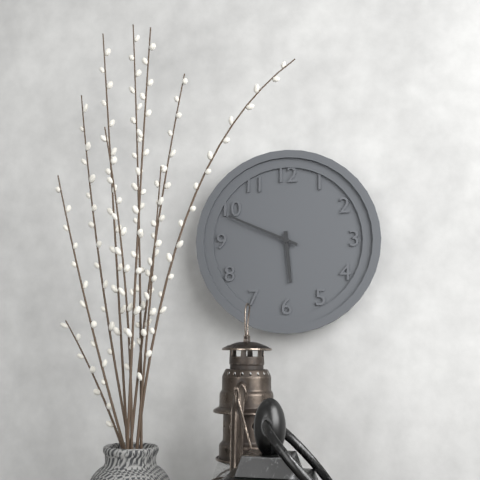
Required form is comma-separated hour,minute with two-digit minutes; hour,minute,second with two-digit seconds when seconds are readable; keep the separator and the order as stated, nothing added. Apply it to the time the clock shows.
5,49
